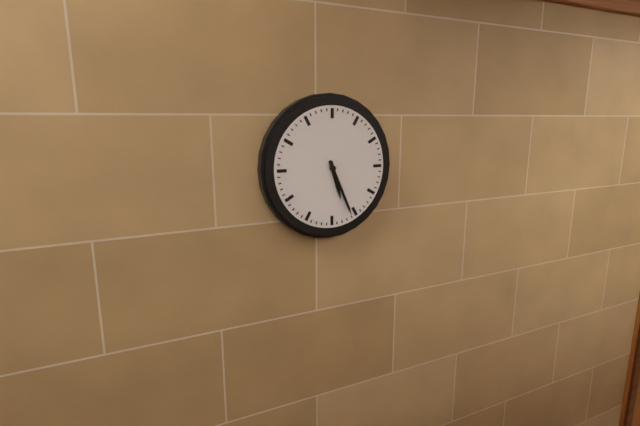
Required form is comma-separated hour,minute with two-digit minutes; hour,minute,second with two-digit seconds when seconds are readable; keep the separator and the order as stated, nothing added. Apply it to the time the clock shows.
5,26
